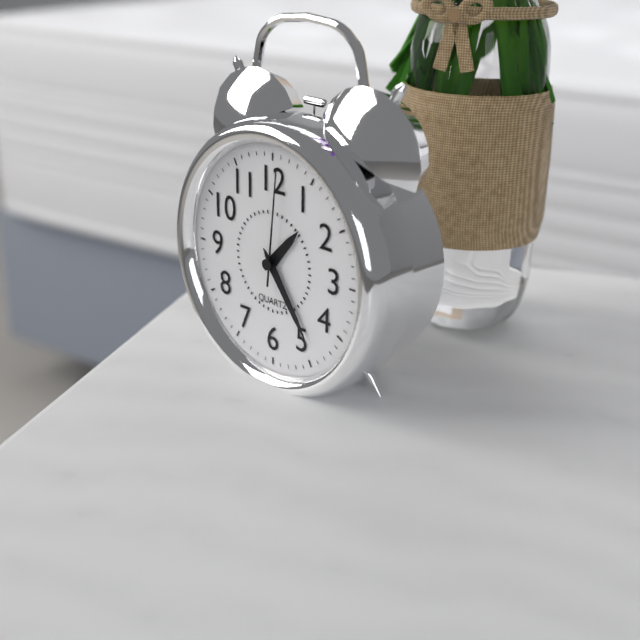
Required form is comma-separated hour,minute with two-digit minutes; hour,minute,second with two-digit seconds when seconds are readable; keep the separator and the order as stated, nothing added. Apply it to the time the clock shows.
1,24,01
